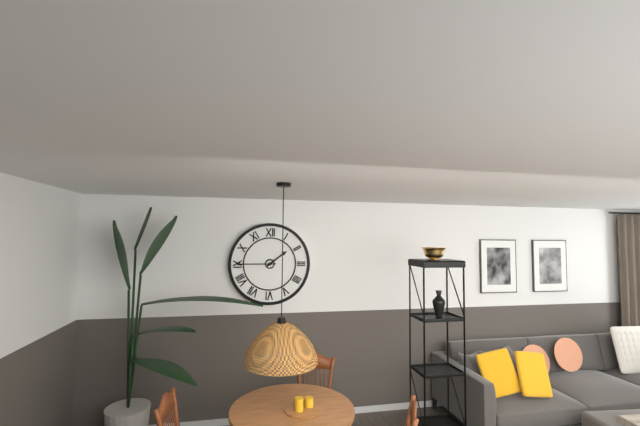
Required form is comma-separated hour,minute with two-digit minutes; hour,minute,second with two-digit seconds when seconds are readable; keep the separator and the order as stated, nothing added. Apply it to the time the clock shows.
1,45
